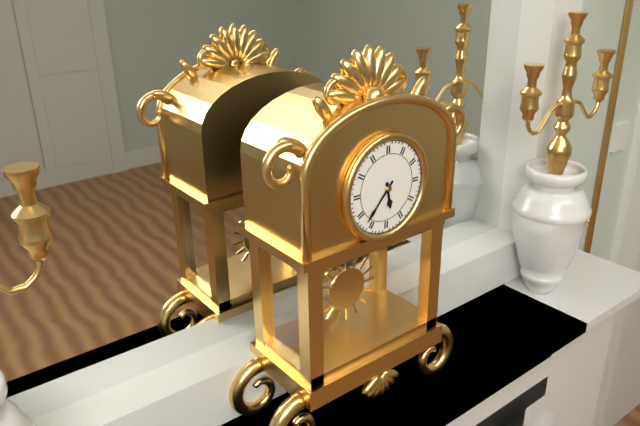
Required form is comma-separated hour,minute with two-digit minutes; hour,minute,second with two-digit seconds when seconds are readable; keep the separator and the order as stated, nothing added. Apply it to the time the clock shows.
5,37
